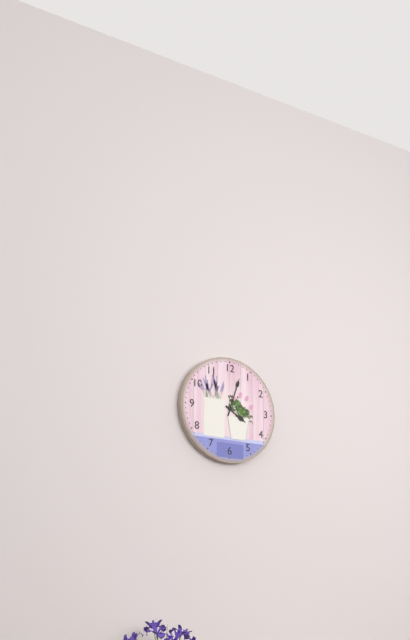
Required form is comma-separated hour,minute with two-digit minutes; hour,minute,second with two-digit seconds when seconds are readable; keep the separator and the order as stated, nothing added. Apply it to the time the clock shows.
4,03
